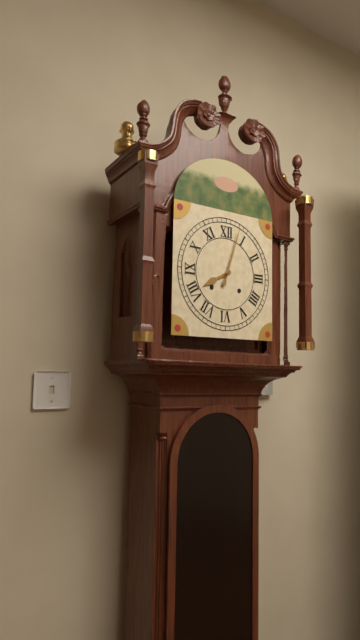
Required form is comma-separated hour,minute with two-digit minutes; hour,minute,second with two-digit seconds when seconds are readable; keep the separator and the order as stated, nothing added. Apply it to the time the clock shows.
8,03
